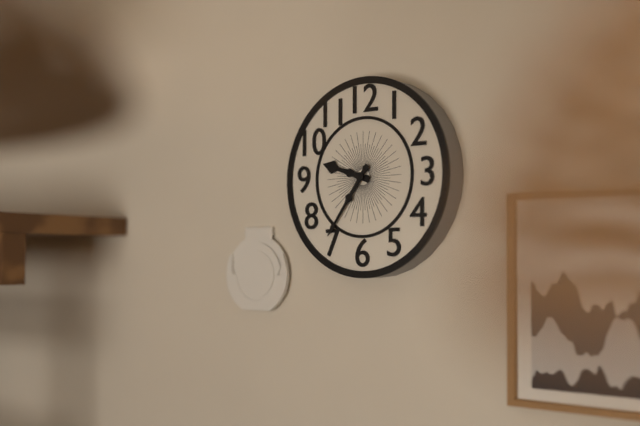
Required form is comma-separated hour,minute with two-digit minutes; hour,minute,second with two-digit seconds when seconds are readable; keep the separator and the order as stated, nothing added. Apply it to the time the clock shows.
9,36
